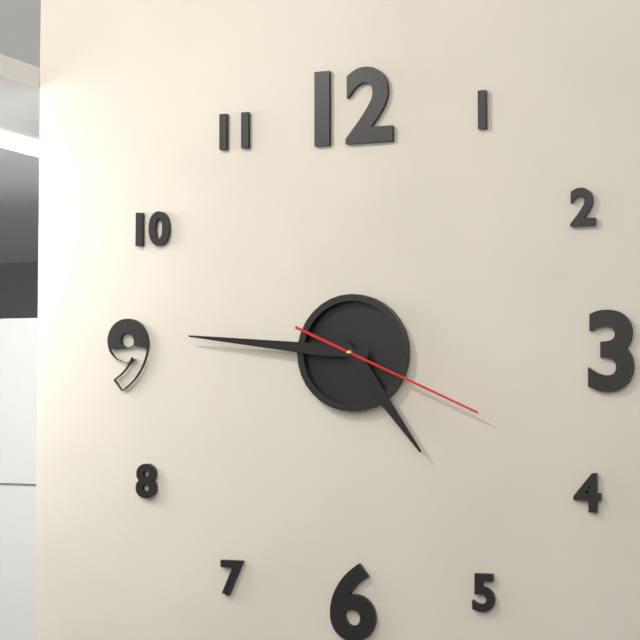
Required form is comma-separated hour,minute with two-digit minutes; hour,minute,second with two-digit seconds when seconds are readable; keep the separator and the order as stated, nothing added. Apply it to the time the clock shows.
4,46,19
